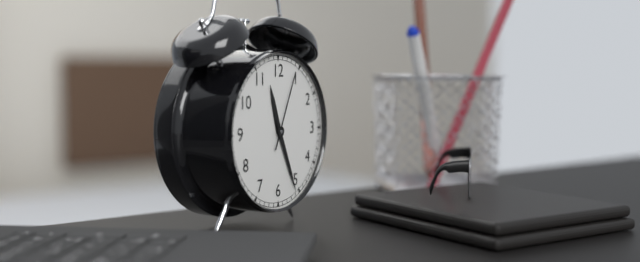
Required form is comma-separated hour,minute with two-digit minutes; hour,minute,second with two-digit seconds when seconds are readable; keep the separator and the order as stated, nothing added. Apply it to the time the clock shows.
11,26,04
